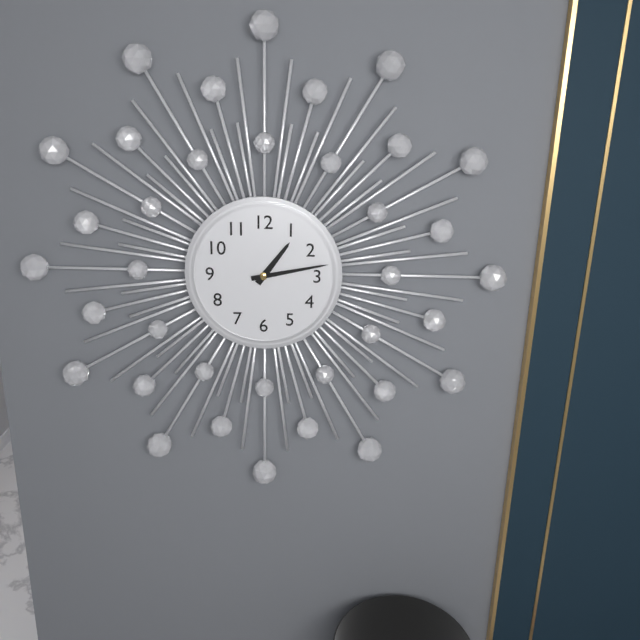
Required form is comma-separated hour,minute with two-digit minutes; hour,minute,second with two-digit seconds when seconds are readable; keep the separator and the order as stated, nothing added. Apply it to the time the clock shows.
1,13
